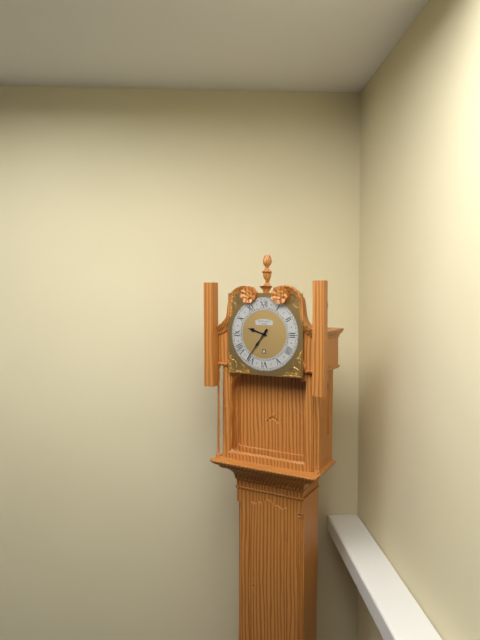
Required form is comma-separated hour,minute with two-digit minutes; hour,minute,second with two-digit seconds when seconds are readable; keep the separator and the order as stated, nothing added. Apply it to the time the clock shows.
9,36
